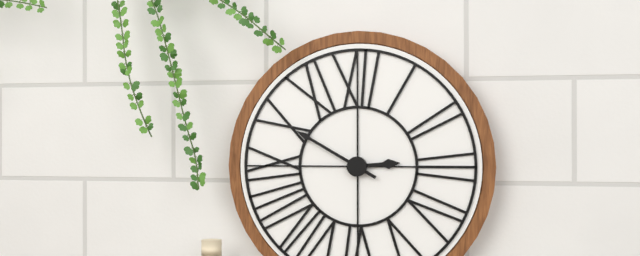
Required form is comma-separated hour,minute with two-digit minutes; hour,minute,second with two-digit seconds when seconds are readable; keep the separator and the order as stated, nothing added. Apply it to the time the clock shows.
2,50
